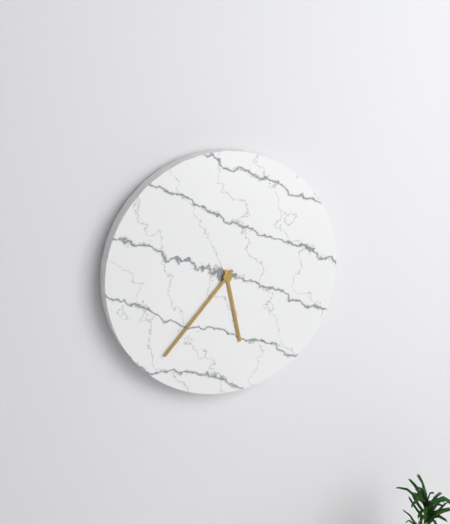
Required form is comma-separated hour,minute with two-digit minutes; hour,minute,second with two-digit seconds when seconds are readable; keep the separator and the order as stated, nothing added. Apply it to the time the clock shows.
5,37
